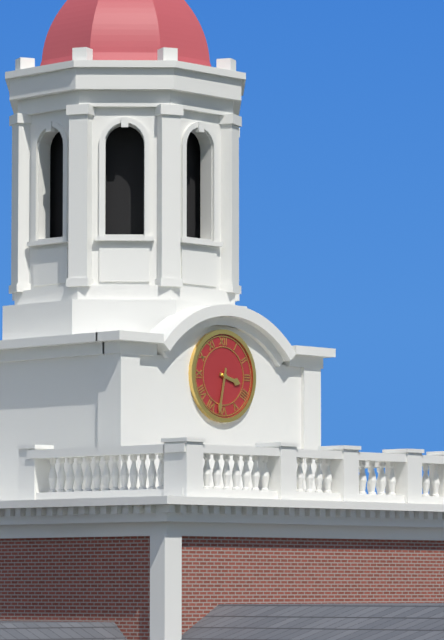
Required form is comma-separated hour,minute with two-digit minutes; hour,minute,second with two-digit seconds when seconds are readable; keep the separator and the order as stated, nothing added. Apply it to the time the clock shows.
3,32
